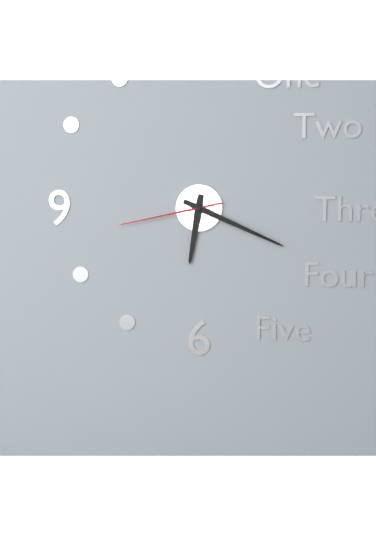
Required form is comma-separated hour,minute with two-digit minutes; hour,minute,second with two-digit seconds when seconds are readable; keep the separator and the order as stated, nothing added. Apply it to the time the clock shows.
6,19,43
